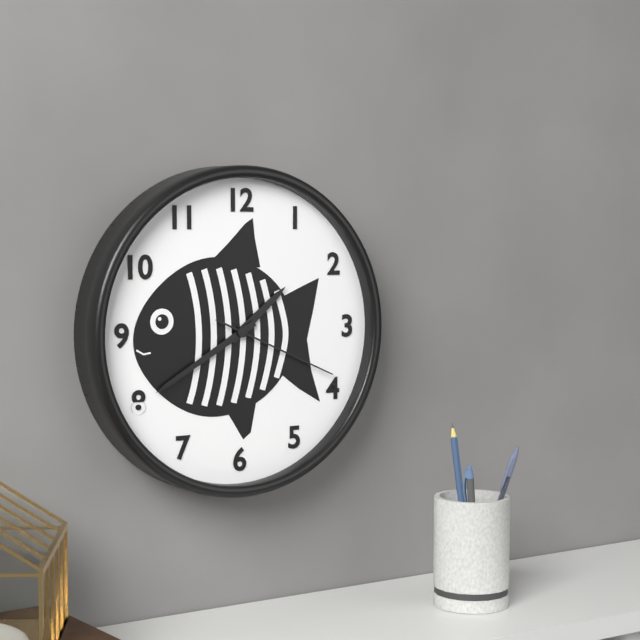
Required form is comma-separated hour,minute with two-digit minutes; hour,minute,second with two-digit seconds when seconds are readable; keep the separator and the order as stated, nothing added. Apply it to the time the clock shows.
1,40,19
